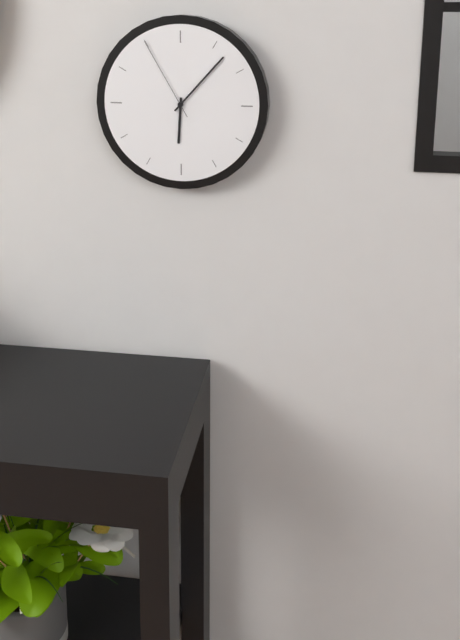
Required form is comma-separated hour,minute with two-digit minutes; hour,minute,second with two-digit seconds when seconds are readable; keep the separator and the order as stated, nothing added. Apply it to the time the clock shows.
6,07,55
